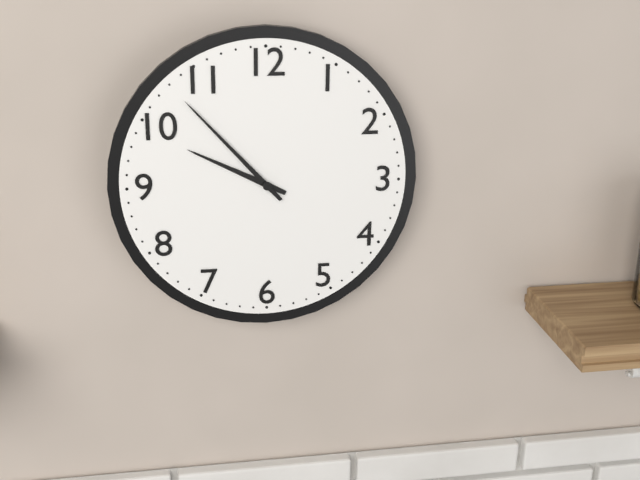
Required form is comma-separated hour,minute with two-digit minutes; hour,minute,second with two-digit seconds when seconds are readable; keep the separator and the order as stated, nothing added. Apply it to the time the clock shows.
9,53
